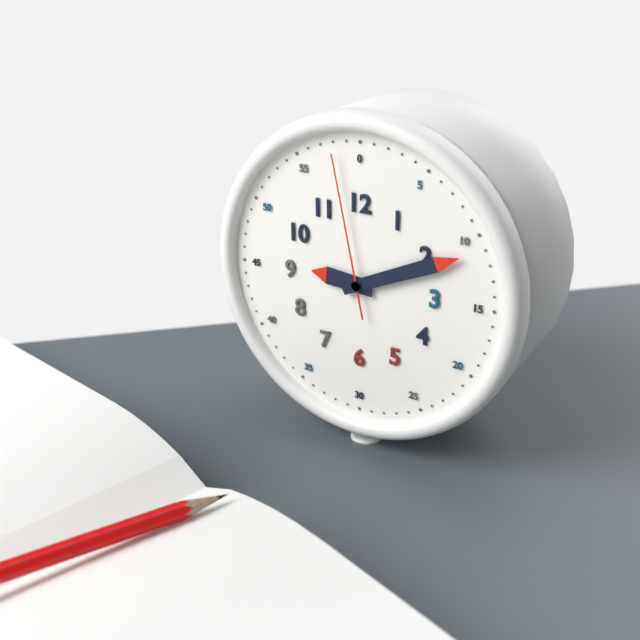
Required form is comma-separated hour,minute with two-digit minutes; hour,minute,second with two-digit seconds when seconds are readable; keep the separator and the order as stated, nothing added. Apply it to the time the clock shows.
9,11,58
